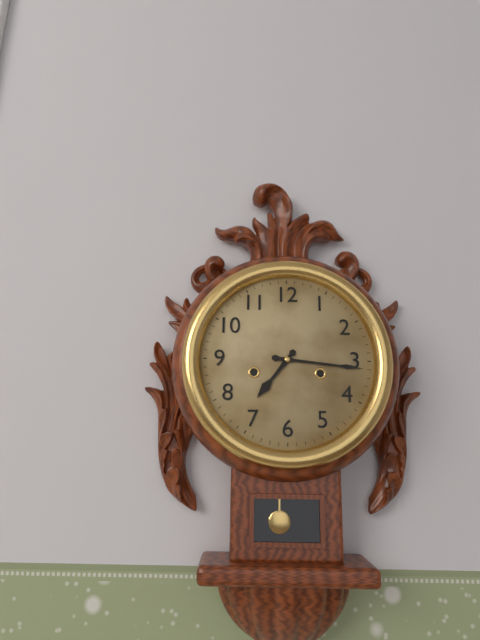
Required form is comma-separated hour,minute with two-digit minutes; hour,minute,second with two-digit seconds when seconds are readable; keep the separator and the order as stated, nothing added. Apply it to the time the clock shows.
7,16
